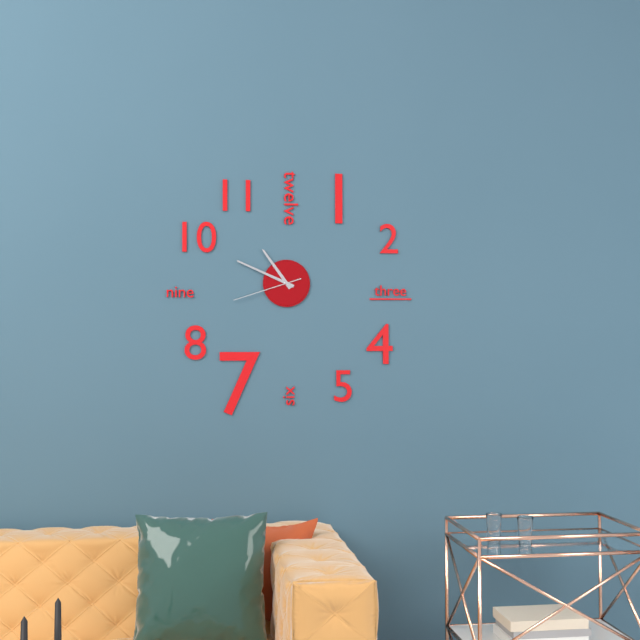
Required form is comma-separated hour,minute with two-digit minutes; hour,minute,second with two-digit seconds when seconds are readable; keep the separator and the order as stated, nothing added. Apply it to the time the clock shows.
10,49,42
